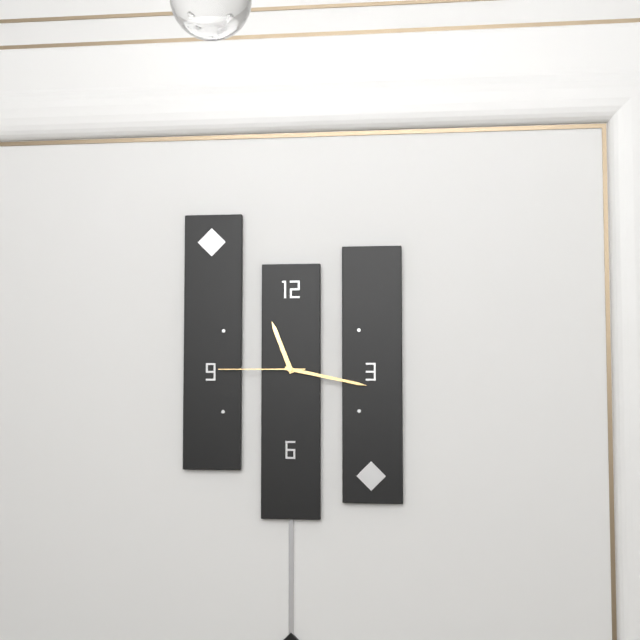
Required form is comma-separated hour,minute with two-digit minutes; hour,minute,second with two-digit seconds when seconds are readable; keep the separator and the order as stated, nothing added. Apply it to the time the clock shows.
11,17,45
